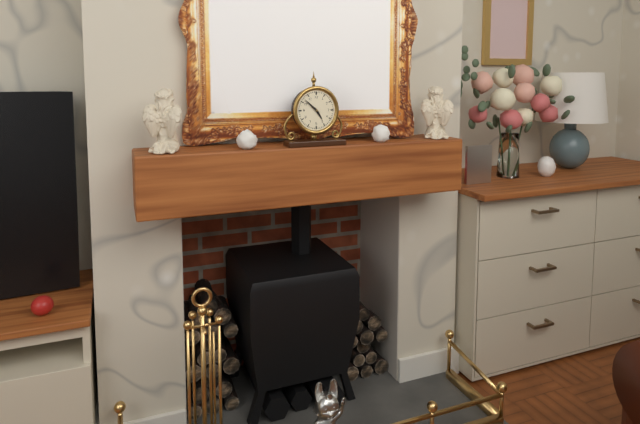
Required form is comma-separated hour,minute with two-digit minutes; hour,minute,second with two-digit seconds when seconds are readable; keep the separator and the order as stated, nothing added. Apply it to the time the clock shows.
4,52
